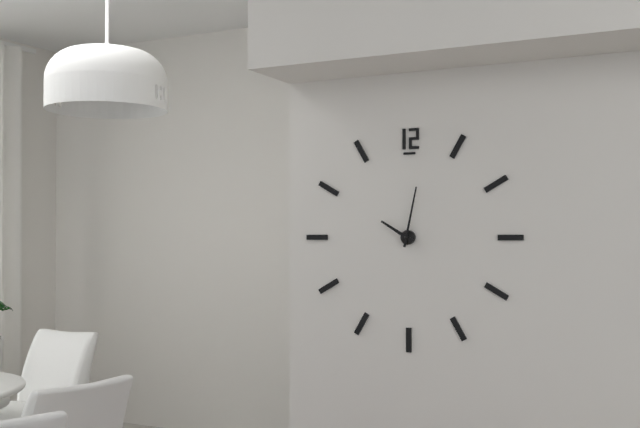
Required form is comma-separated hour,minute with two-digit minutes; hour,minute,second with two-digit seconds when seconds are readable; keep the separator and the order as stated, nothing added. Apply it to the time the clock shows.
10,02
